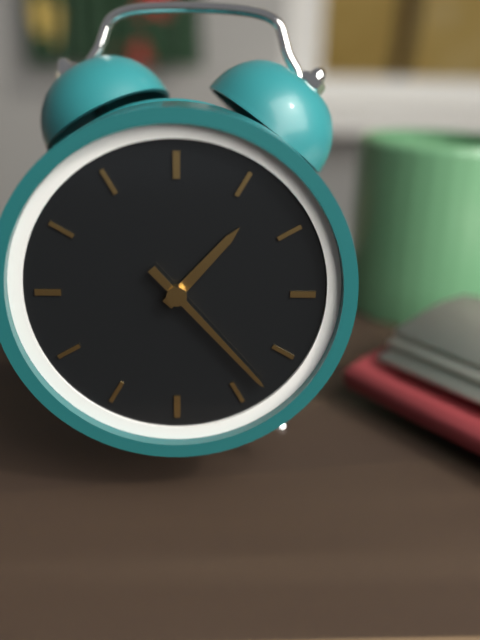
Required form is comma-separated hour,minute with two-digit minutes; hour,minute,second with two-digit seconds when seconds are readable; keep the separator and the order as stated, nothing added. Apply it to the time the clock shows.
1,23
